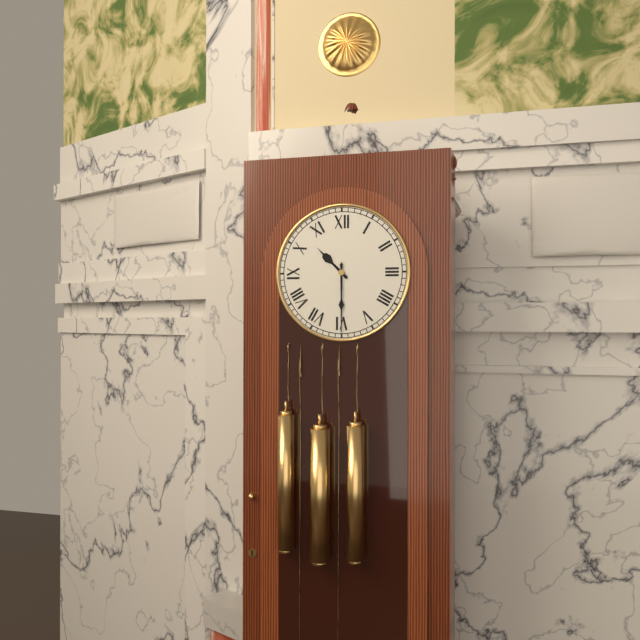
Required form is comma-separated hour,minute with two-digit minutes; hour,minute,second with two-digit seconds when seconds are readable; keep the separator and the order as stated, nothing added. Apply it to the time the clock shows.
10,30
